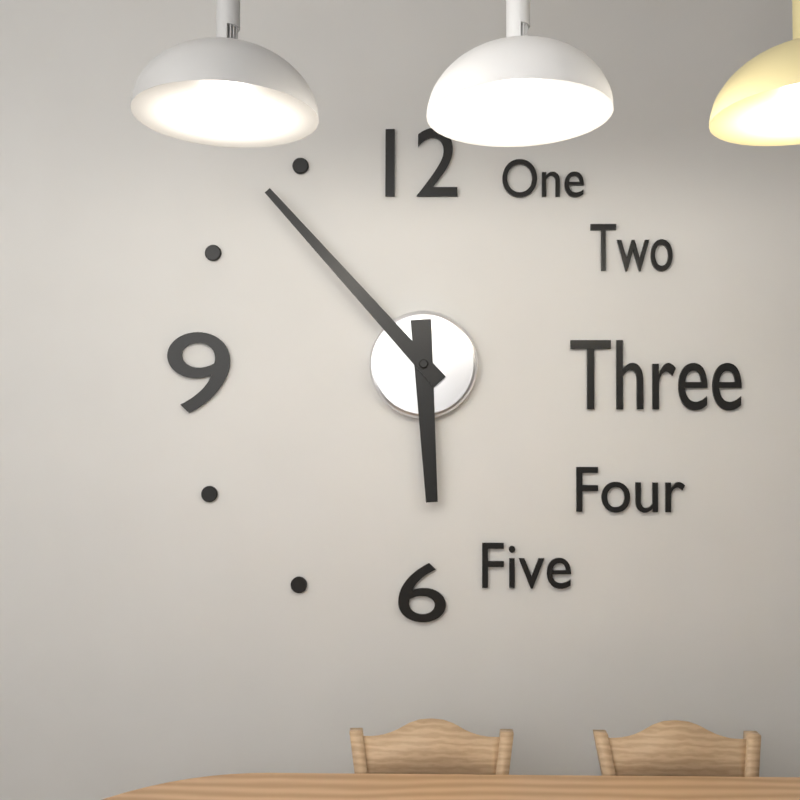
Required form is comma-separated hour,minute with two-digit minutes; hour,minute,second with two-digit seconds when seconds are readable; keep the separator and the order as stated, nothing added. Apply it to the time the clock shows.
5,53
